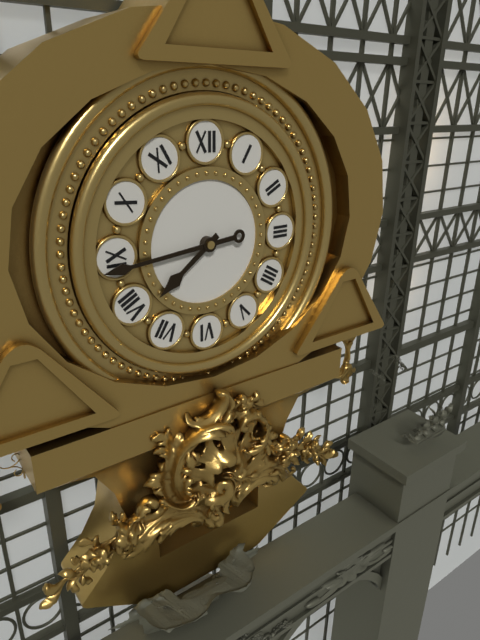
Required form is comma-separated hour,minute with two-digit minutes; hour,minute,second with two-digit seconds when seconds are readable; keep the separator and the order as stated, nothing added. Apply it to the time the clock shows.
7,44
